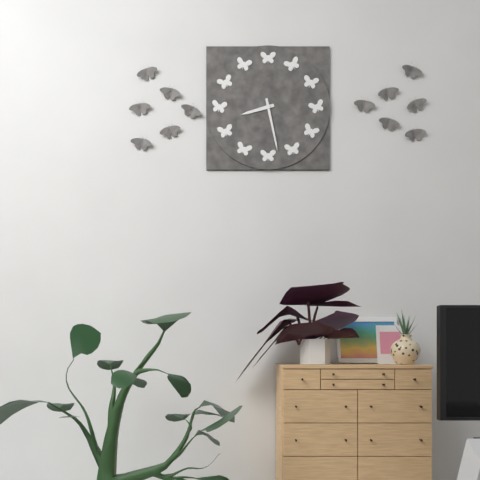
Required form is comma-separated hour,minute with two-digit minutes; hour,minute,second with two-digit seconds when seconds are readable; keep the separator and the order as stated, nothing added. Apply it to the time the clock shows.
8,28
